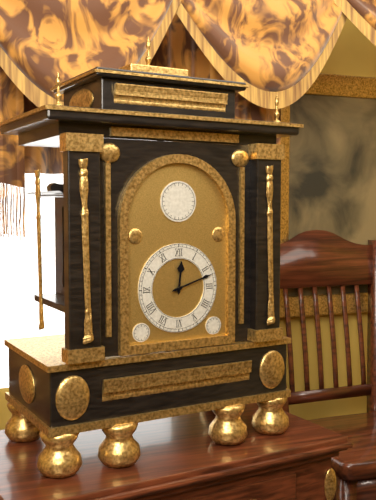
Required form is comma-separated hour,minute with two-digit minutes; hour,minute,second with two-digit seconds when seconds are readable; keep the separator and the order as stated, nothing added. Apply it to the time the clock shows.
12,12
